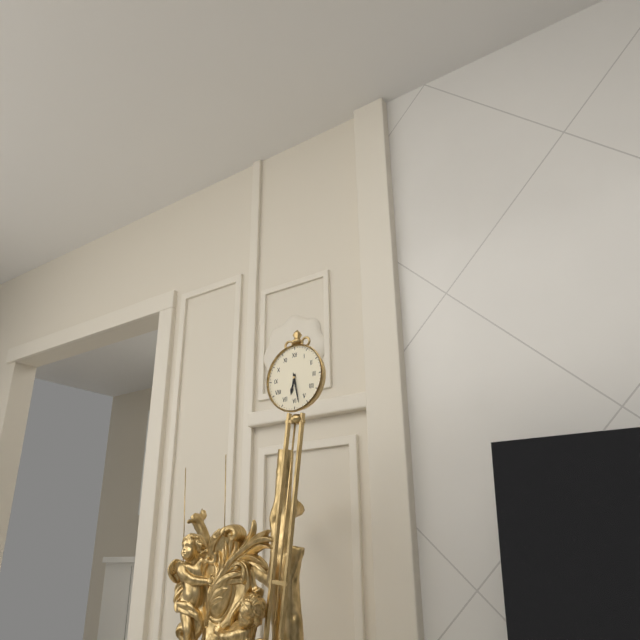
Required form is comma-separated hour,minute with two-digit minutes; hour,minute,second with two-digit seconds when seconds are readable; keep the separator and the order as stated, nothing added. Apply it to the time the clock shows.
6,28
